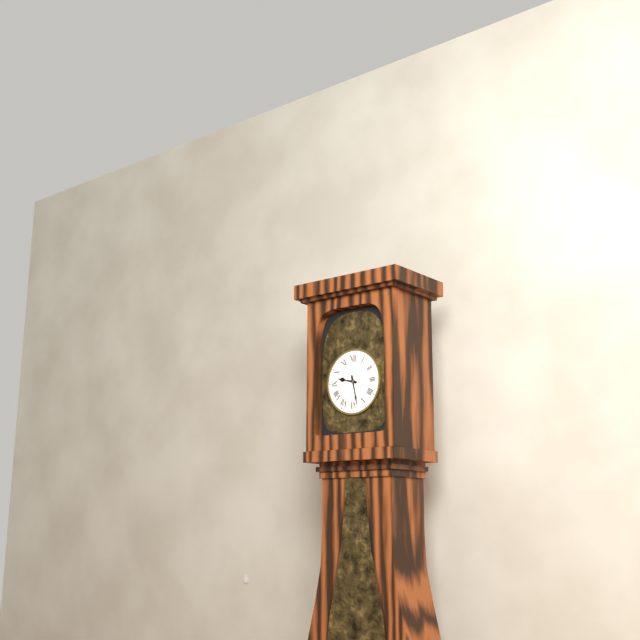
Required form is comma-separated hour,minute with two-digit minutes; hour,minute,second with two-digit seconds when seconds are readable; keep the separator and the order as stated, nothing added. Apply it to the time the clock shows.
9,28
